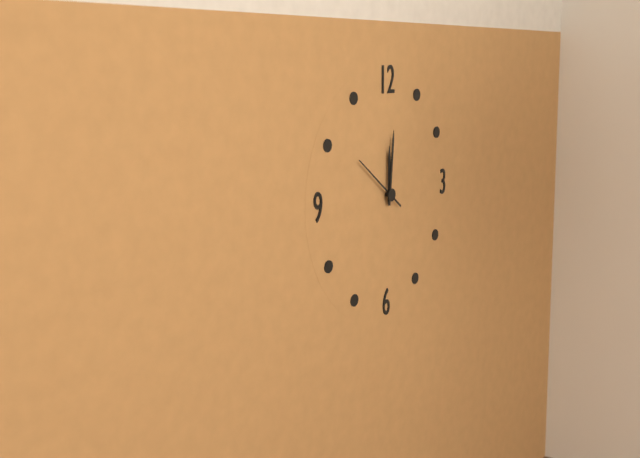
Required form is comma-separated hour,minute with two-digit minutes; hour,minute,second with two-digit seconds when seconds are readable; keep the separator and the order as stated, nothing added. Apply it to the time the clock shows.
12,01,51
